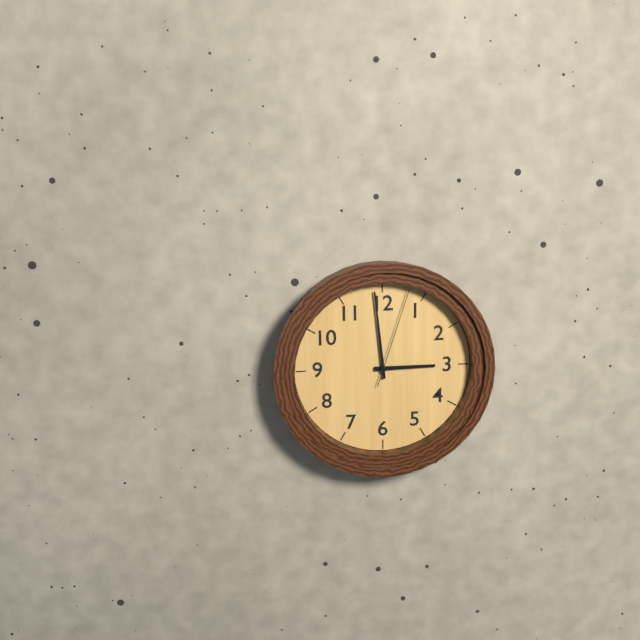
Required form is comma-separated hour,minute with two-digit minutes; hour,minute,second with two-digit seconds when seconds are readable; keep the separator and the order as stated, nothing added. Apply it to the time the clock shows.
2,59,03
